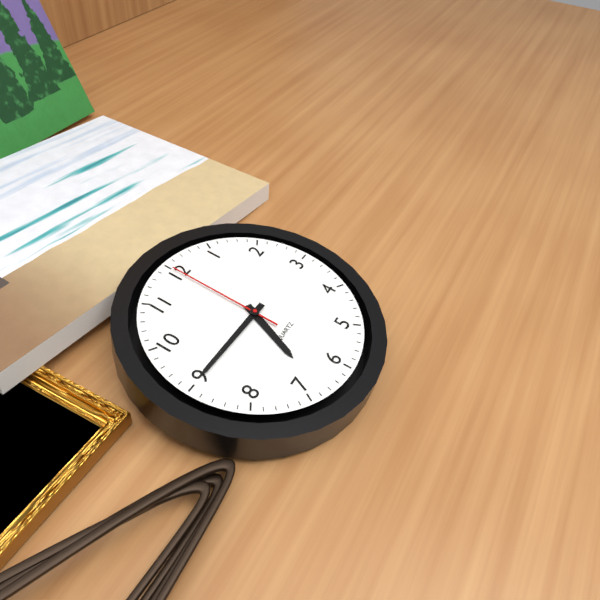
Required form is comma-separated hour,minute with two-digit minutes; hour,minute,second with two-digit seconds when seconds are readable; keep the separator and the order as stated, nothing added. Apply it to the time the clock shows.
6,45,00
